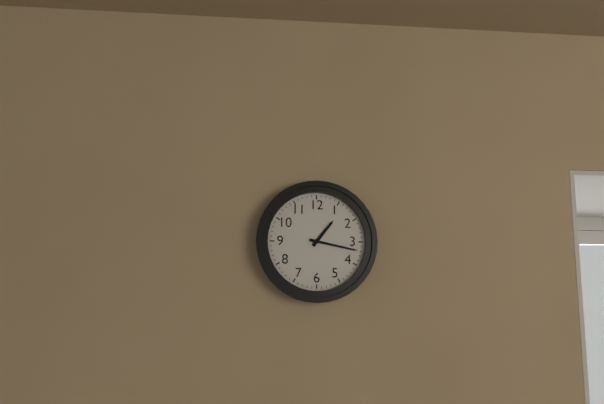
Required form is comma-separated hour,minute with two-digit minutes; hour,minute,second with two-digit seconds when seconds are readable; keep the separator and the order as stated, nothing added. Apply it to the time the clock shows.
1,17
